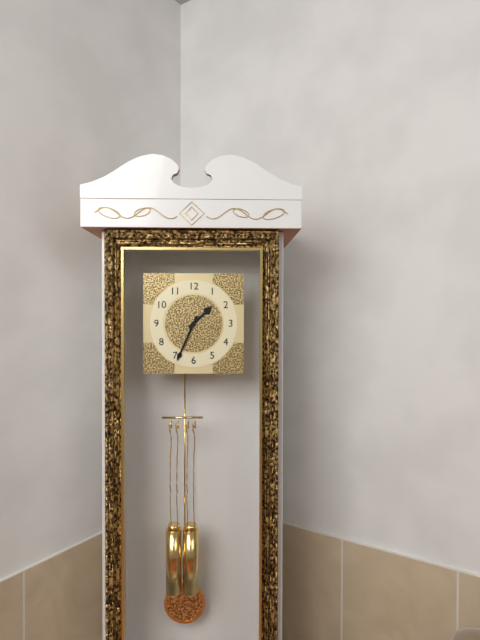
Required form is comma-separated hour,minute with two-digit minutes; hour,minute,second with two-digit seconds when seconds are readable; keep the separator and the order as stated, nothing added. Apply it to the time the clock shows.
1,34
